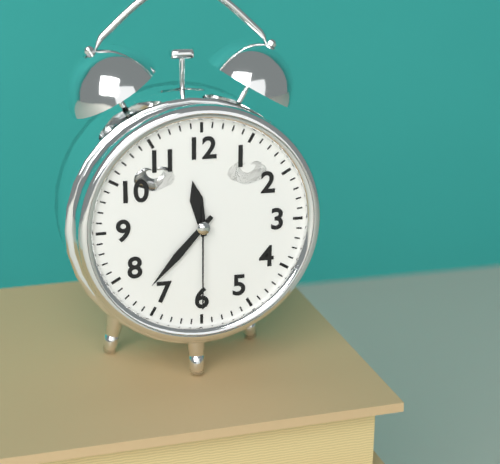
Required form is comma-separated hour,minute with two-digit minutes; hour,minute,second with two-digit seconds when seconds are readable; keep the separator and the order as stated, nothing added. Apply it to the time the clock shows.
11,37,30
